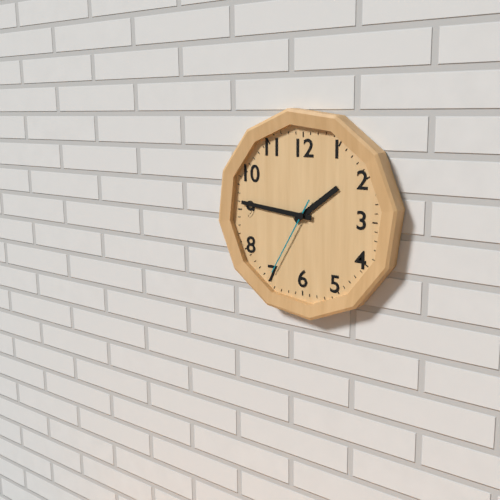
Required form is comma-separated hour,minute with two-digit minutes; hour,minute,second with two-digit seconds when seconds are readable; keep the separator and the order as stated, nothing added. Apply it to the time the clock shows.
1,46,35
